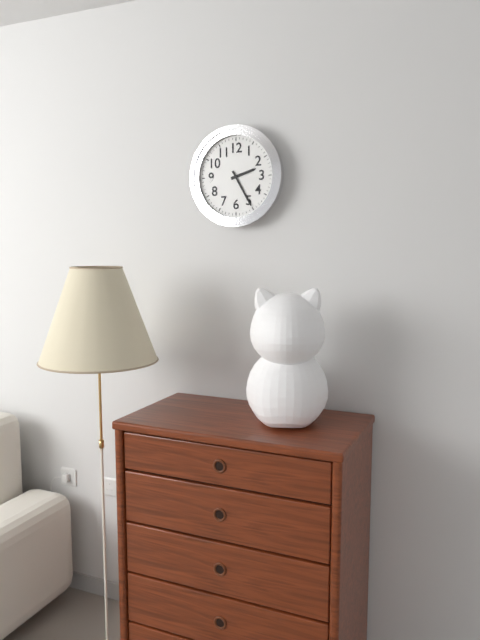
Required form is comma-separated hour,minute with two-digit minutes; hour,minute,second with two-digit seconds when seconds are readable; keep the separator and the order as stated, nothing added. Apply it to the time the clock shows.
2,25
